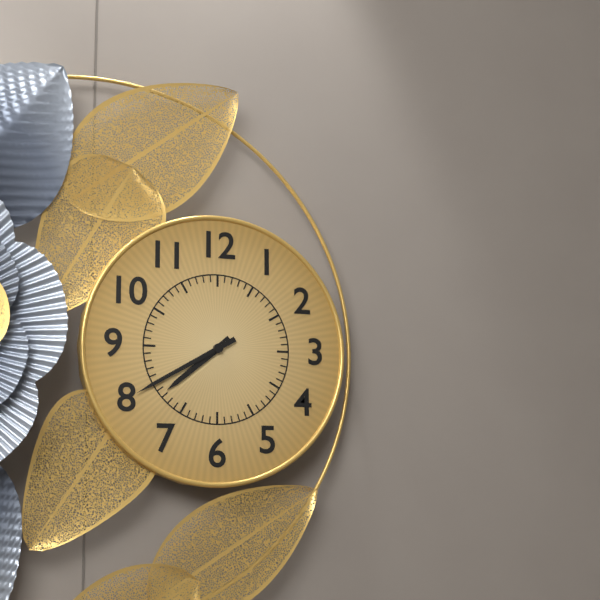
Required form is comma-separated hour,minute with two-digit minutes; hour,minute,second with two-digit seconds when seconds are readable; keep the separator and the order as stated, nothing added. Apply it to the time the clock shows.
7,40
